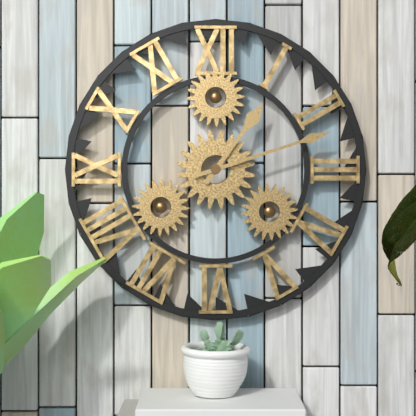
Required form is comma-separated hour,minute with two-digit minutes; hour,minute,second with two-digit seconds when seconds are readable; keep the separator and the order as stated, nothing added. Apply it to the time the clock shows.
1,12
